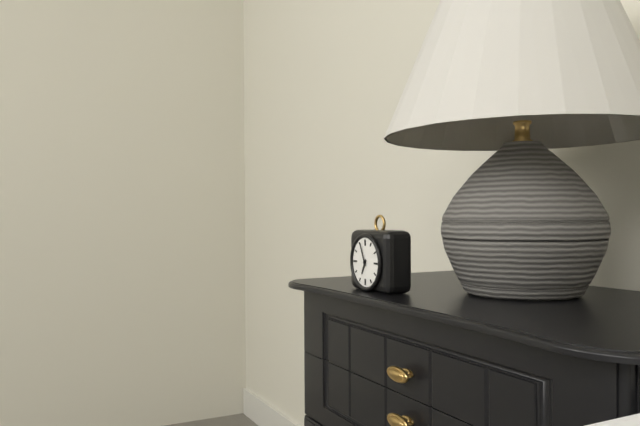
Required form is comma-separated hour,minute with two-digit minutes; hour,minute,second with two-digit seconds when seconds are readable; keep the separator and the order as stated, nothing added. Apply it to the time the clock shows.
6,56
